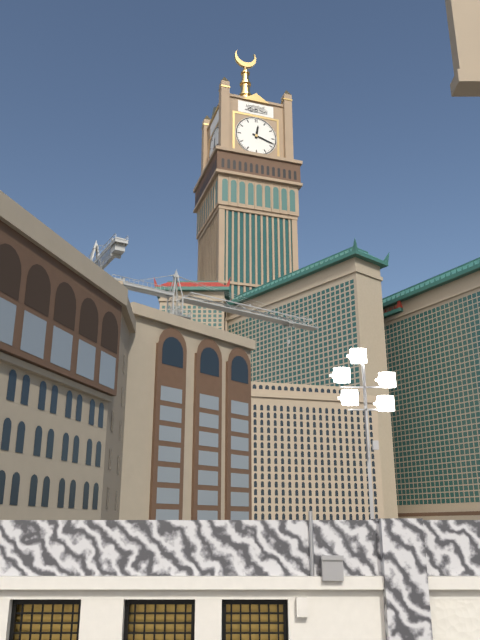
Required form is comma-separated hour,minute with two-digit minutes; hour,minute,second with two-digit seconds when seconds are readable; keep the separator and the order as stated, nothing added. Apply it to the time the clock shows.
12,18
